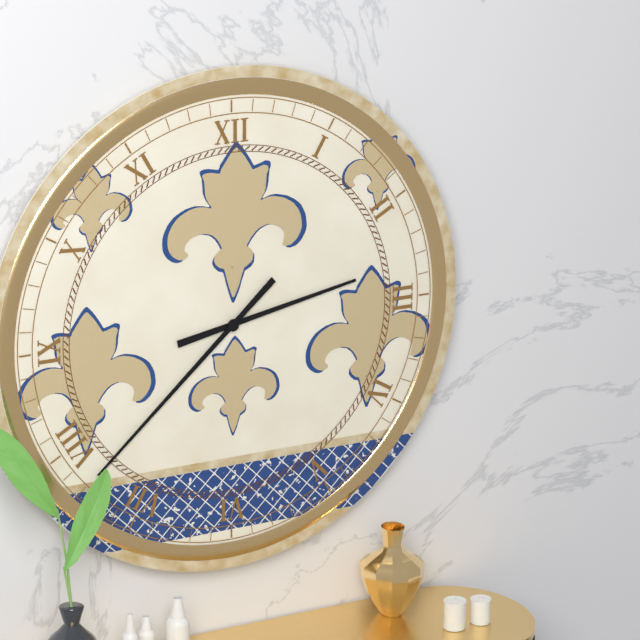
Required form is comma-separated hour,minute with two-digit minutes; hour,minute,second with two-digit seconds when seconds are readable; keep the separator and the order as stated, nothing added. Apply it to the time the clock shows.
2,38
